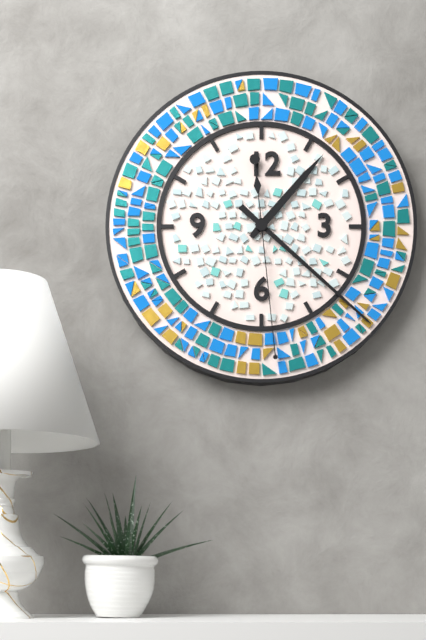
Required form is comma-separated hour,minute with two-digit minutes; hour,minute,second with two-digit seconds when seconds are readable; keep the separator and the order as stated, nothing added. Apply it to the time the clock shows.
1,22,29
